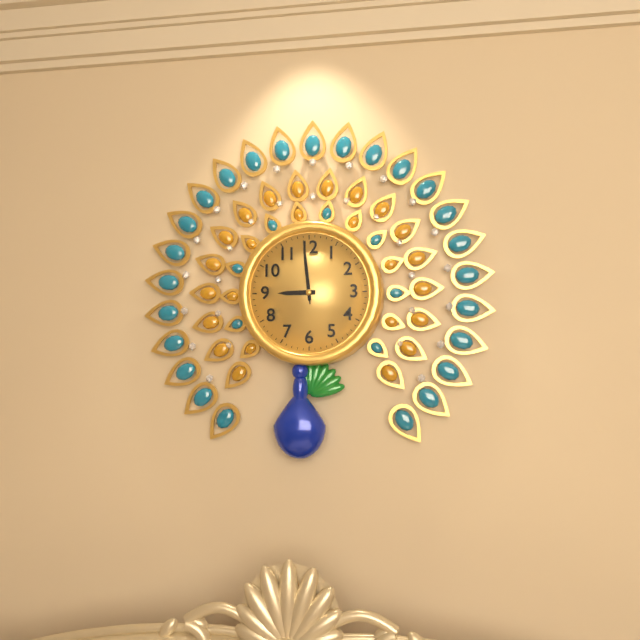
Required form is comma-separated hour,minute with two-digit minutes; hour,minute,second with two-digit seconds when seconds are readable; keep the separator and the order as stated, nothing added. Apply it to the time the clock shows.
8,59,59
